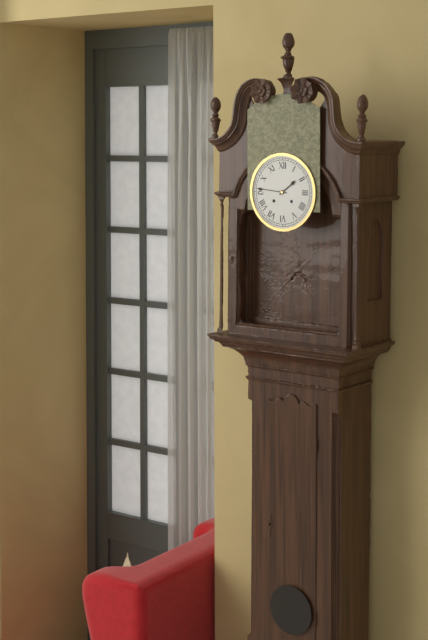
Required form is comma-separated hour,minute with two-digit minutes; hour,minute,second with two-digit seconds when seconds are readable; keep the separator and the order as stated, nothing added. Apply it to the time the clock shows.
1,46
